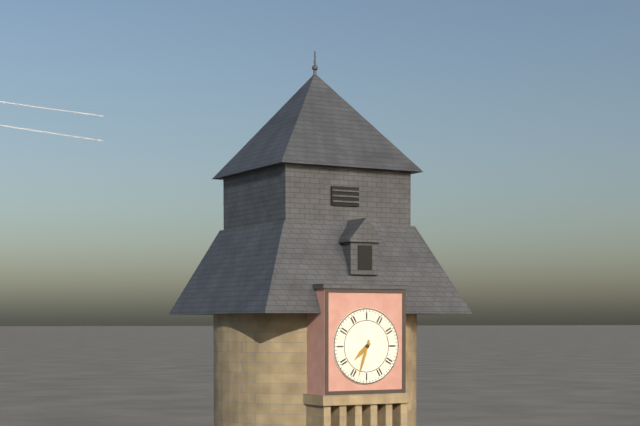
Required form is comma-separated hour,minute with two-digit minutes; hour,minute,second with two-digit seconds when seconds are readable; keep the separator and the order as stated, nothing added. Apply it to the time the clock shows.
7,33
